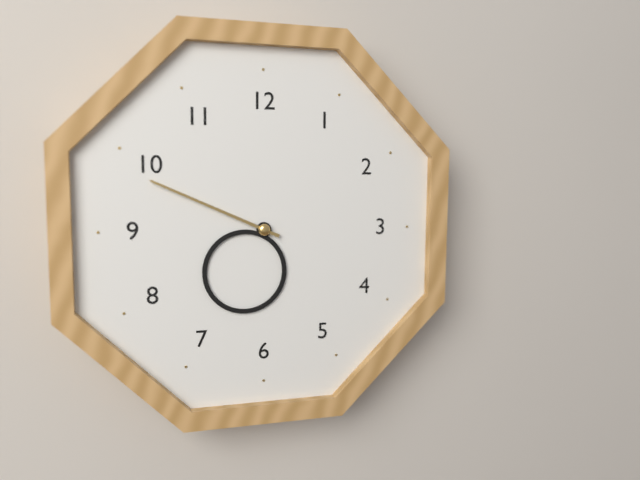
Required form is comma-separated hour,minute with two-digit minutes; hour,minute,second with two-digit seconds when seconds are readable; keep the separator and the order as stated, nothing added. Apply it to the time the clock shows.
6,49
